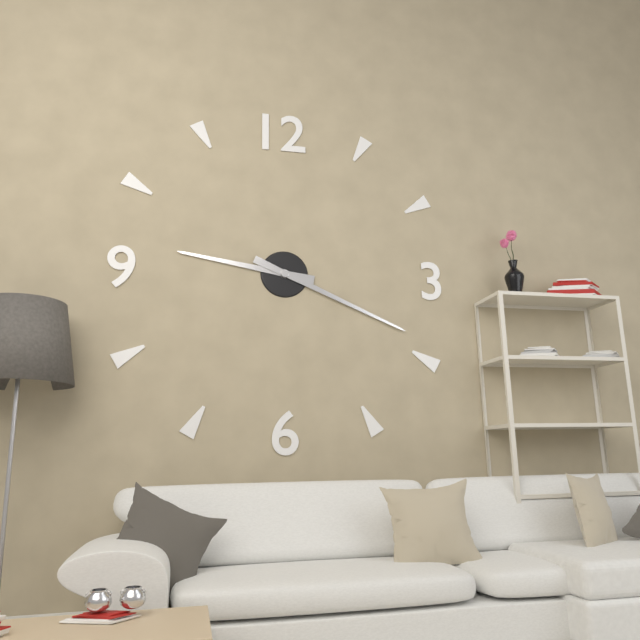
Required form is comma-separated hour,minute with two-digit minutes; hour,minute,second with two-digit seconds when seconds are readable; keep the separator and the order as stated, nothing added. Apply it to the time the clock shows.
9,19
